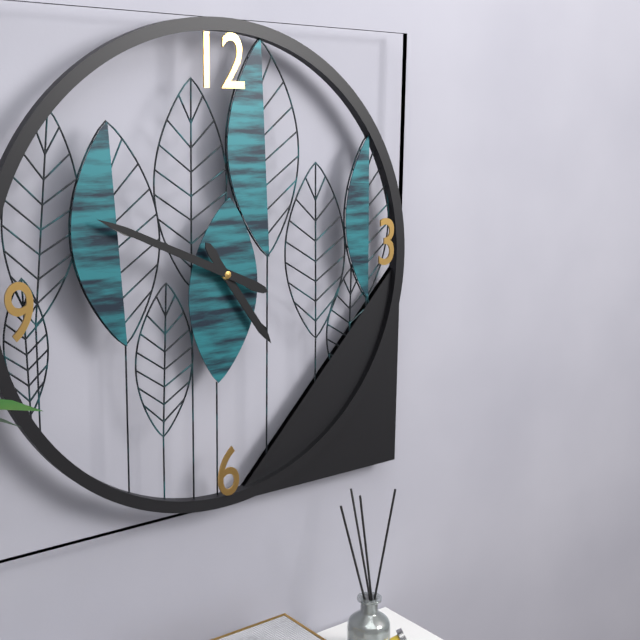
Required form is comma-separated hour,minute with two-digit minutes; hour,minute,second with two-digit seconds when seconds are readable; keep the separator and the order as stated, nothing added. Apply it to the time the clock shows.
4,49
